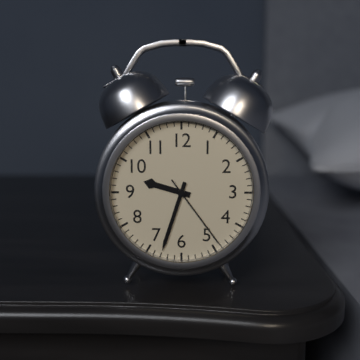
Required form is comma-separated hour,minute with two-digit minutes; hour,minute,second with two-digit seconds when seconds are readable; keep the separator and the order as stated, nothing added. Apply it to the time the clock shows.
9,33,24
